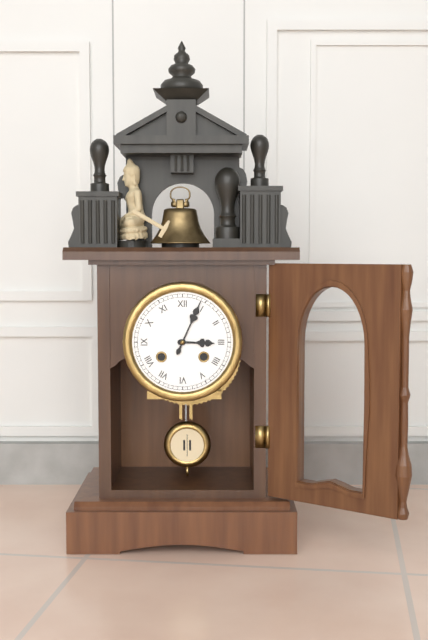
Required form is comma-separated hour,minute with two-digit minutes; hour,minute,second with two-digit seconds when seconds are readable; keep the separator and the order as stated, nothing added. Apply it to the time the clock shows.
3,04
